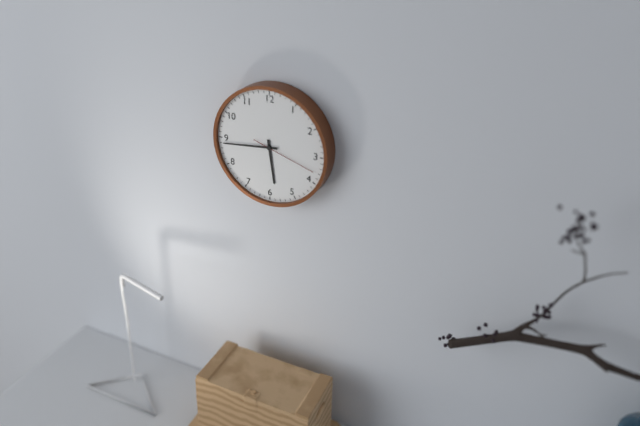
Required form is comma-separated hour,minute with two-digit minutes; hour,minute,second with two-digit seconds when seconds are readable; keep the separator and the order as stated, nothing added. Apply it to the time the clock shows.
5,44,18
